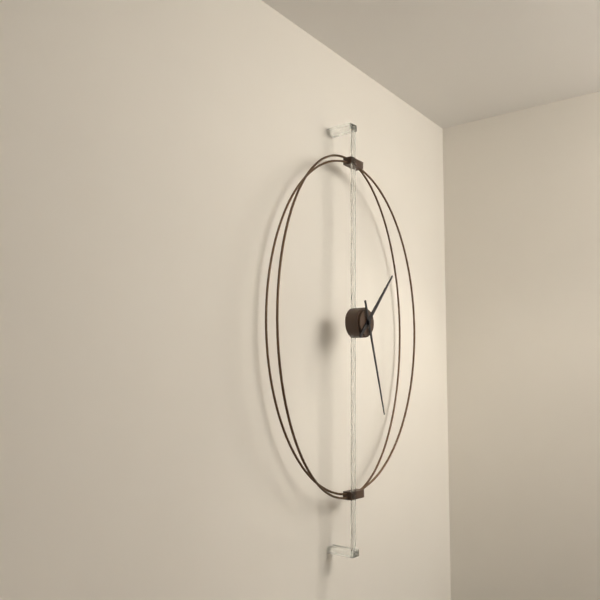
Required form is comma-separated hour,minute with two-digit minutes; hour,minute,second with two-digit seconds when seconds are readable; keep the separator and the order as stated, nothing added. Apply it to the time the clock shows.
1,27
